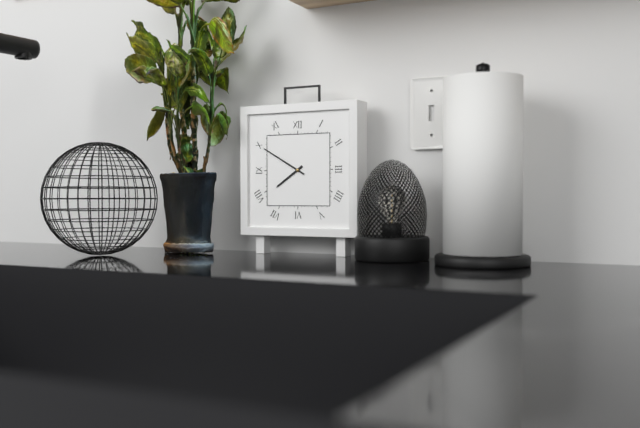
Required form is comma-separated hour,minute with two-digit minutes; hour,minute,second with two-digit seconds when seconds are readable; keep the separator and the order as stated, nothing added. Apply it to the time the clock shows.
7,50
